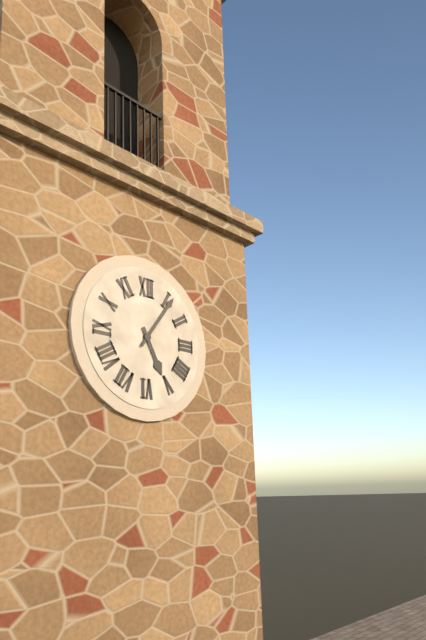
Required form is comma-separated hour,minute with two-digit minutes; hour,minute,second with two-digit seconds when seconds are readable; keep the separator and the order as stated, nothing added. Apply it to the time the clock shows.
5,06
